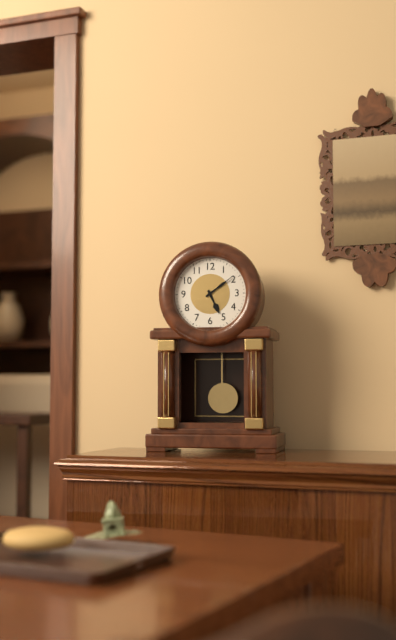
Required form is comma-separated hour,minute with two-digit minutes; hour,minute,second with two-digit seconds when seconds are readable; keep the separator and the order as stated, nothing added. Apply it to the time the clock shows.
5,09
